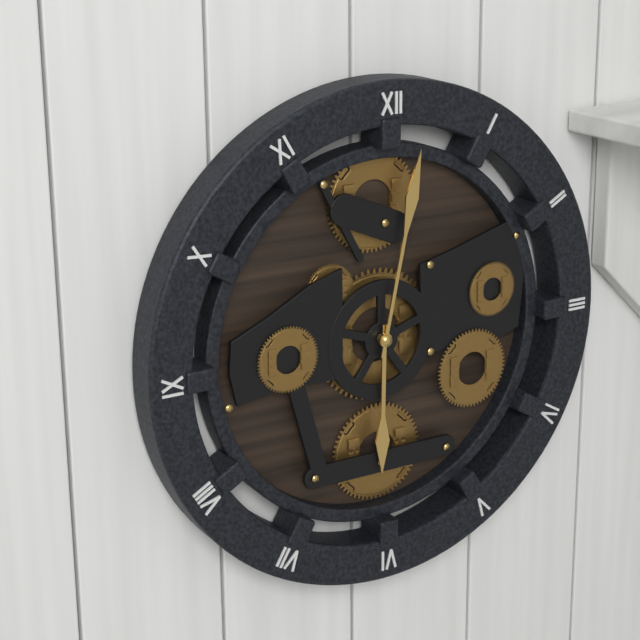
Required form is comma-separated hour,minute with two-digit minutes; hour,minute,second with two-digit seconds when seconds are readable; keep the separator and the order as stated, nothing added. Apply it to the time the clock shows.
6,02
